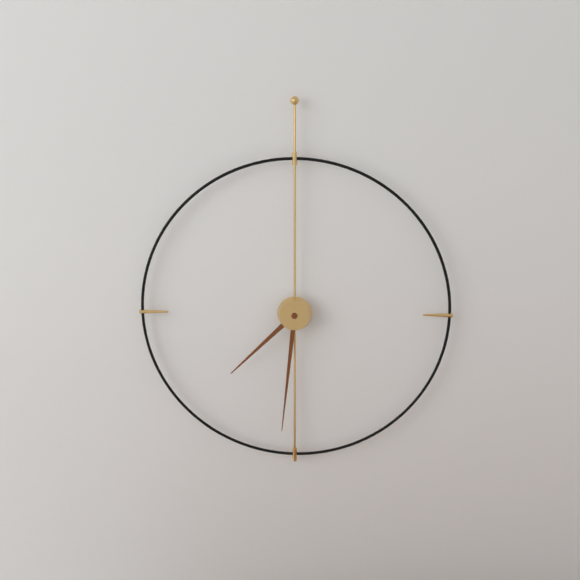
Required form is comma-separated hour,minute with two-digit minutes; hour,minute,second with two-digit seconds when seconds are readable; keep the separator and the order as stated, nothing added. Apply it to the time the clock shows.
7,31
